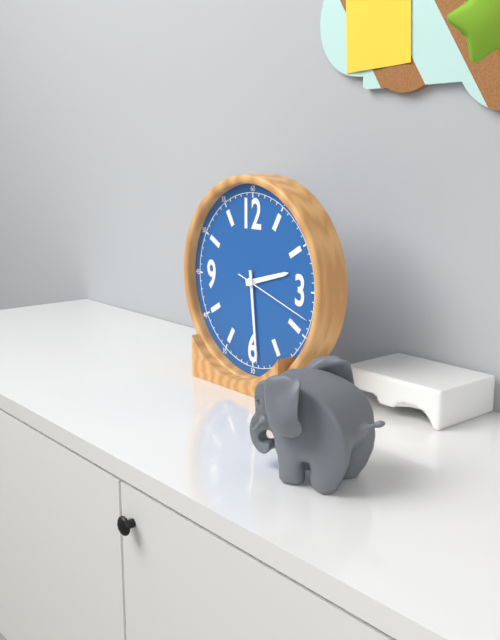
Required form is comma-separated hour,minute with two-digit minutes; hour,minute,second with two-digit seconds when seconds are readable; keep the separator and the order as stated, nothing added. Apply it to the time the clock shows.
2,29,18
